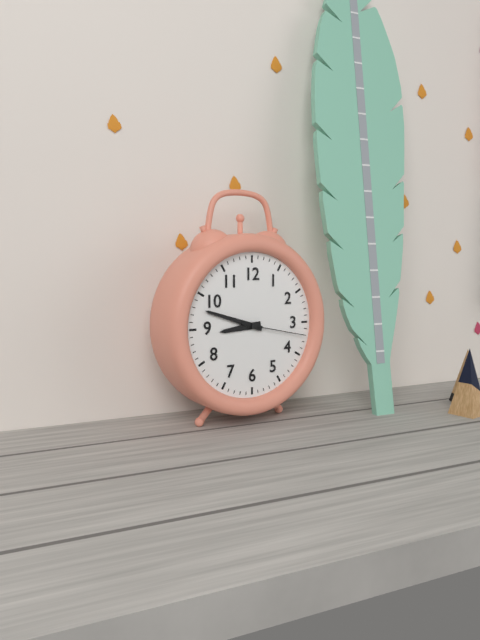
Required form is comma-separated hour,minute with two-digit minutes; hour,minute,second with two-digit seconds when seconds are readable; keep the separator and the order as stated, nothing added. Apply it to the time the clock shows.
8,48,17
